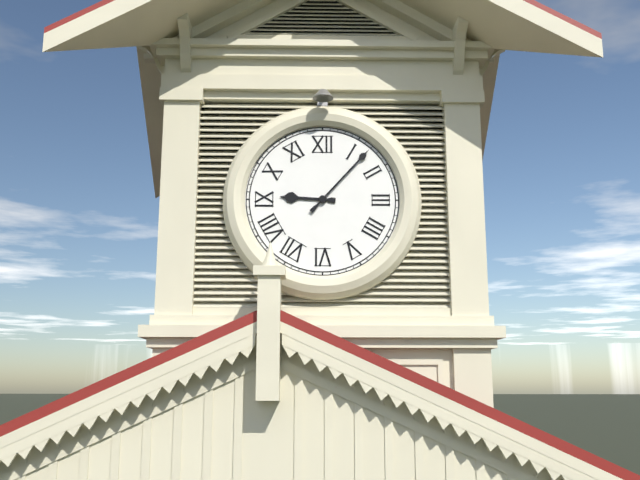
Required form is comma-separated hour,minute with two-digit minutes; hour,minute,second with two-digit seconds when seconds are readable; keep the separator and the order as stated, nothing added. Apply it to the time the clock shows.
9,07
